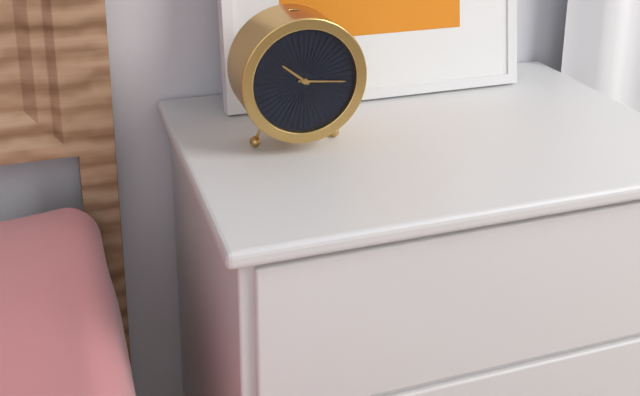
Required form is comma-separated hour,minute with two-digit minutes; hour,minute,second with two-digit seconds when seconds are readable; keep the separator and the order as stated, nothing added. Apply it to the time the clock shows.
10,16
